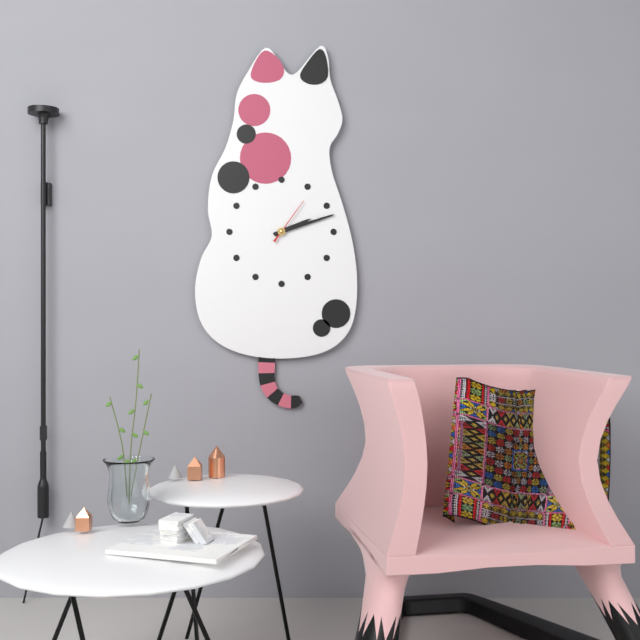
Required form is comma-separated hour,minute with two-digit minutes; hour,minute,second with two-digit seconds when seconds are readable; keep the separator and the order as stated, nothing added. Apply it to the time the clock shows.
2,12
